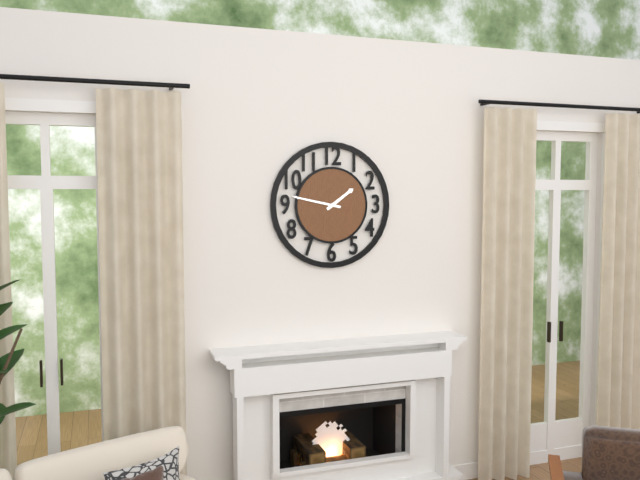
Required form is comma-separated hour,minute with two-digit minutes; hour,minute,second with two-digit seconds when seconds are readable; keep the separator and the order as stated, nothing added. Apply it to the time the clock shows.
1,47
